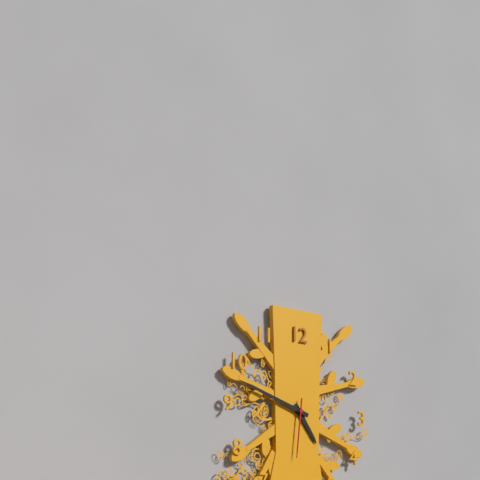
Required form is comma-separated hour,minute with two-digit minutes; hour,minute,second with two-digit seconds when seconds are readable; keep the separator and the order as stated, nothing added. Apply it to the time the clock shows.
4,48,31
